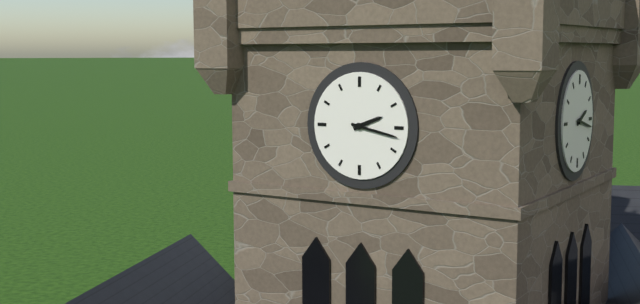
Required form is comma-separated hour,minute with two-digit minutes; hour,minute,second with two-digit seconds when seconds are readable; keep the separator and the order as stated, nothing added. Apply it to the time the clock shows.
2,17
